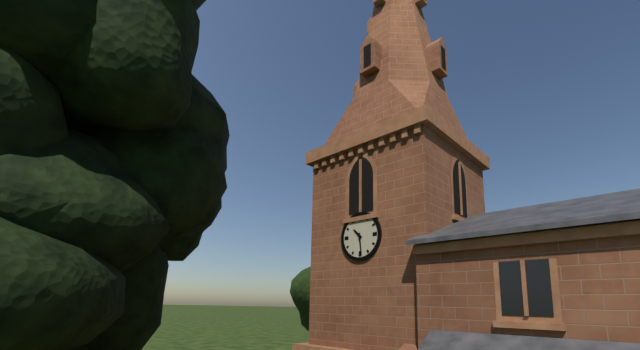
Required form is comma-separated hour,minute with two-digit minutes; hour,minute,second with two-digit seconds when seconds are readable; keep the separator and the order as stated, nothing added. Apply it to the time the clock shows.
10,29
